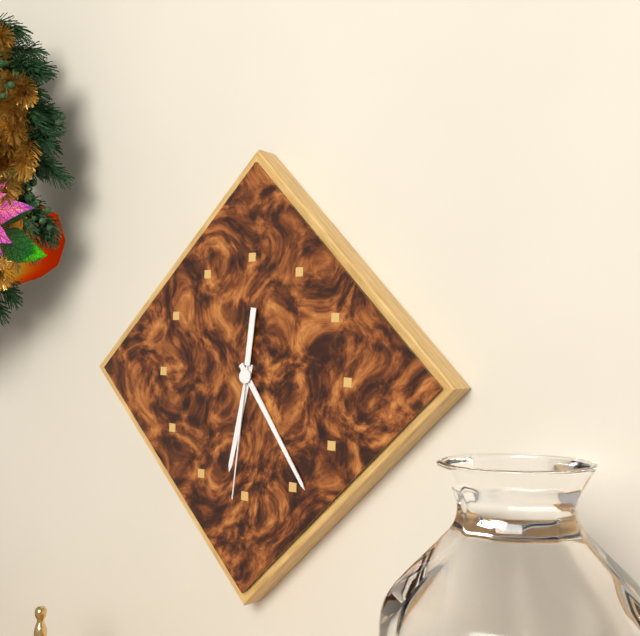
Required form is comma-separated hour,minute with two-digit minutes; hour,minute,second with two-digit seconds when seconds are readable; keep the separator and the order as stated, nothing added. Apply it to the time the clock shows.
6,24,31
